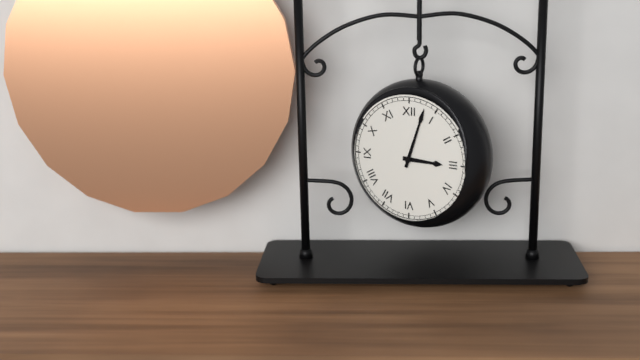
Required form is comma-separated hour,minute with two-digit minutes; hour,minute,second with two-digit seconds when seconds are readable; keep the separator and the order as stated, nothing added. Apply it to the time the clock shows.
3,03
